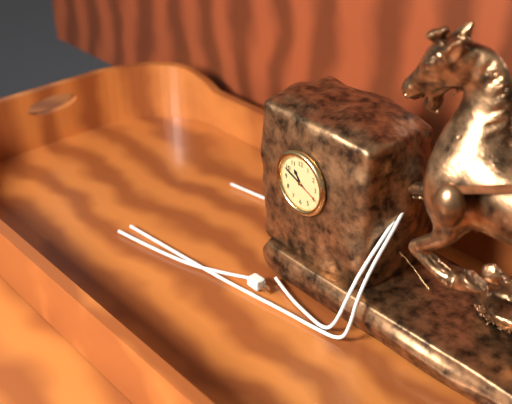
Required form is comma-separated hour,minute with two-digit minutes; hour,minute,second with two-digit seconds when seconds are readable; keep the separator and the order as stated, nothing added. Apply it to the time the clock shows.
10,49
